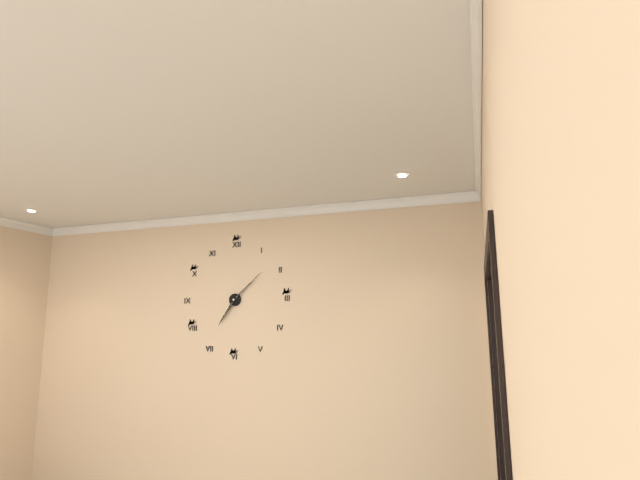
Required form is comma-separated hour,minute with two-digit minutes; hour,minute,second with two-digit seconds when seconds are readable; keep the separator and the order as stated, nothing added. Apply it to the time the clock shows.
7,08
